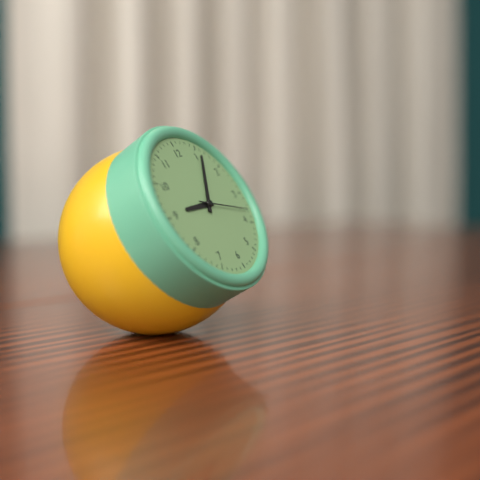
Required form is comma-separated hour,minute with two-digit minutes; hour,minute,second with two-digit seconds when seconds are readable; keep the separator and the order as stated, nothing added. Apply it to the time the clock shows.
9,06
